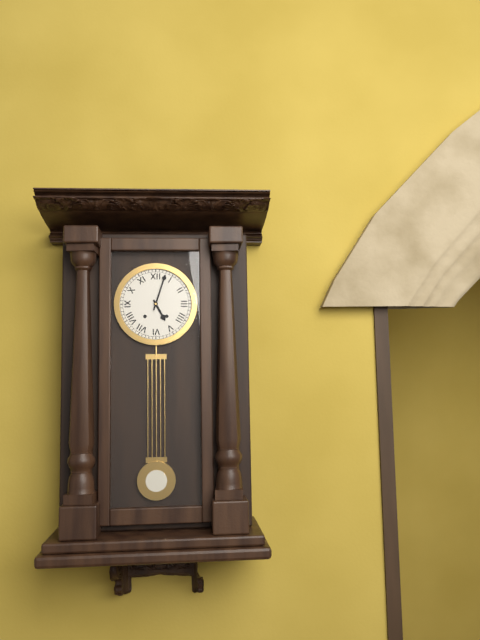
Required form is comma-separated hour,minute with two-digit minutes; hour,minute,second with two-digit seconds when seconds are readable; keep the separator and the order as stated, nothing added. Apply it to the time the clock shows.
5,03
